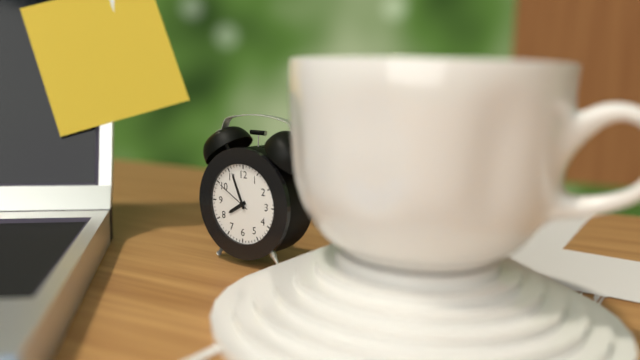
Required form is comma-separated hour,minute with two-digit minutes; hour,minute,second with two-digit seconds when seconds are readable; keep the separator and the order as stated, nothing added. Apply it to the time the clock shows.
7,56
